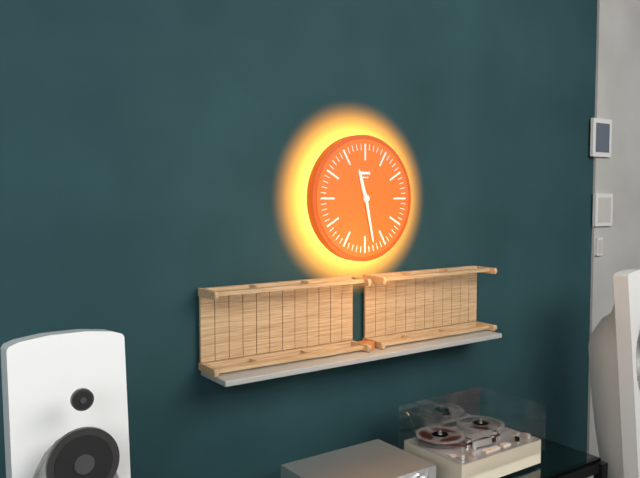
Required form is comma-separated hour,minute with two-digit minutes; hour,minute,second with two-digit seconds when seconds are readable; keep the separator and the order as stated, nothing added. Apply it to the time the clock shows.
11,28
